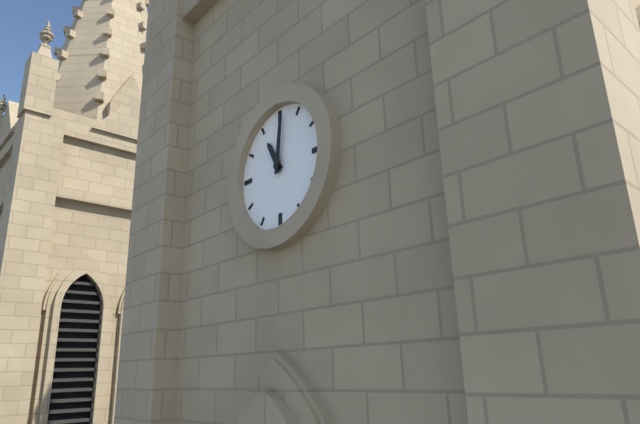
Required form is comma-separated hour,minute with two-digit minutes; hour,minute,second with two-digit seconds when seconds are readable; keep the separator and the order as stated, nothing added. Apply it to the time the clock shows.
11,01
